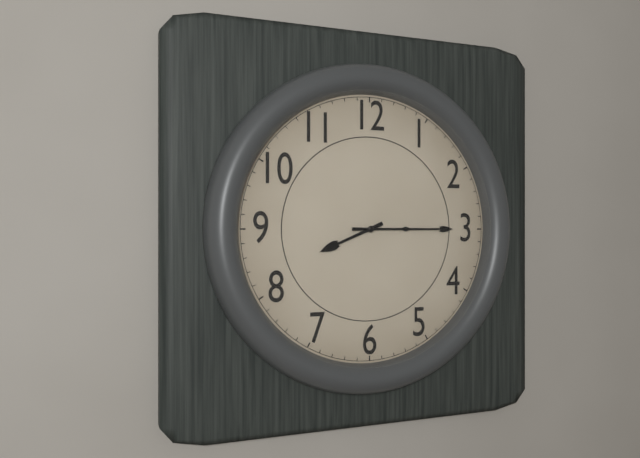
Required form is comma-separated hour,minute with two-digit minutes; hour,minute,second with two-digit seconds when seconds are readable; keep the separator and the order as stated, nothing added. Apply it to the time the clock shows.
8,15
